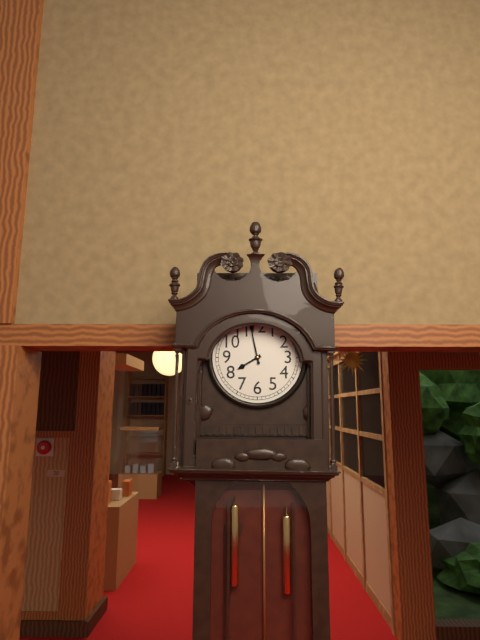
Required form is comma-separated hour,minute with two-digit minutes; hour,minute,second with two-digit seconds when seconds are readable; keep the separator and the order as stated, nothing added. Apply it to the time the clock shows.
7,58
